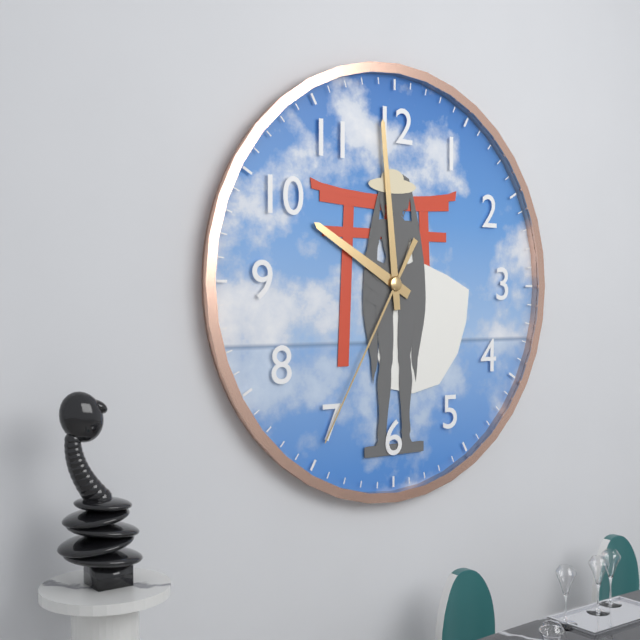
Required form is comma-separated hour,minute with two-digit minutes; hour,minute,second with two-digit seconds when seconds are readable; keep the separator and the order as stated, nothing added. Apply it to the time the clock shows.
9,59,35
